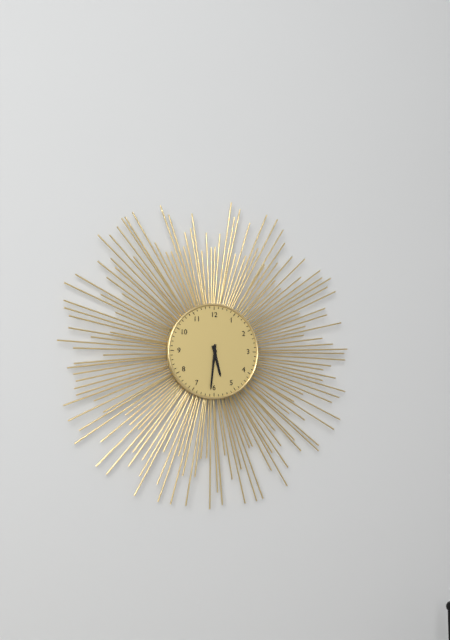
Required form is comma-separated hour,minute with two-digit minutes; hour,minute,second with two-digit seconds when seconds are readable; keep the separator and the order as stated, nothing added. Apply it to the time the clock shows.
5,31
